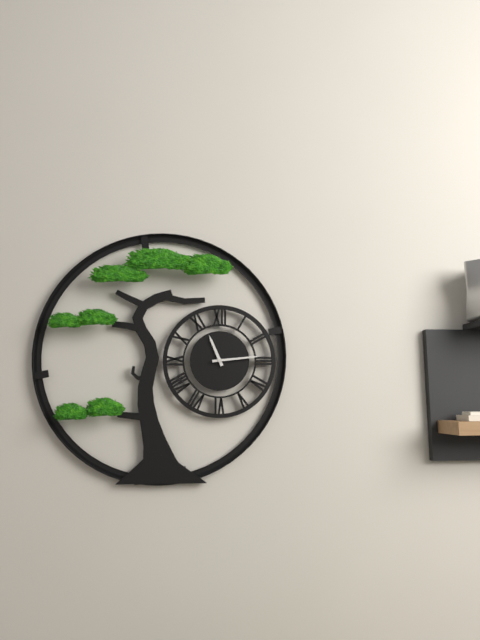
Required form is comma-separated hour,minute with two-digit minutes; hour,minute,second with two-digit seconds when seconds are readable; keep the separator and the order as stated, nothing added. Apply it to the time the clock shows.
11,14
